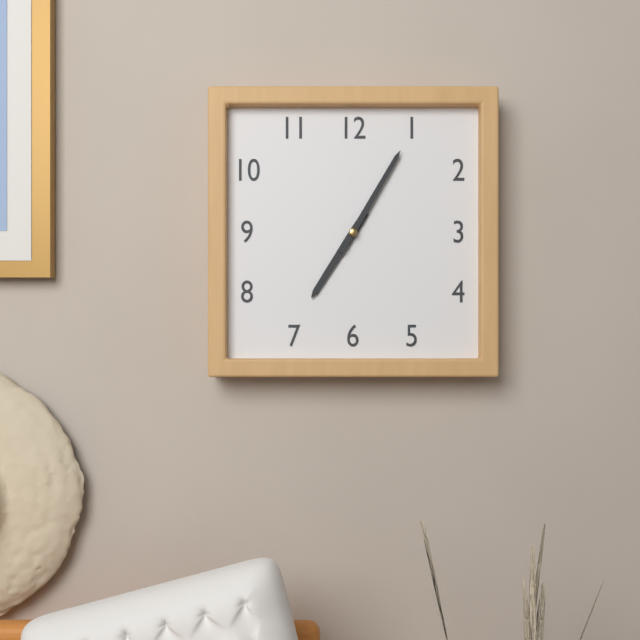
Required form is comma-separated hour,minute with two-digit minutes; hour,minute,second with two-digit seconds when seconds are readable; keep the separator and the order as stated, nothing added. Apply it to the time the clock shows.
7,05
